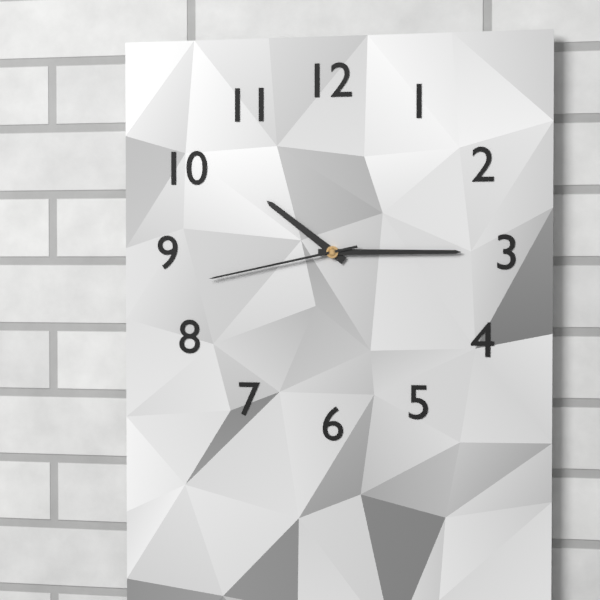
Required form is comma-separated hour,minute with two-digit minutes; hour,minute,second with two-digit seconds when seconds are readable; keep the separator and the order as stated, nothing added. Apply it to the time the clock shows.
10,15,43
